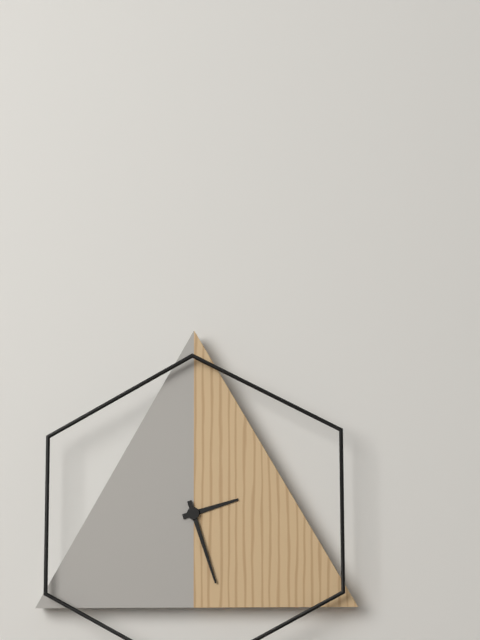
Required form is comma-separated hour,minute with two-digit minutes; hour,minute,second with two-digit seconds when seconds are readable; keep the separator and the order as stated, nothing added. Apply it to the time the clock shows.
2,27
